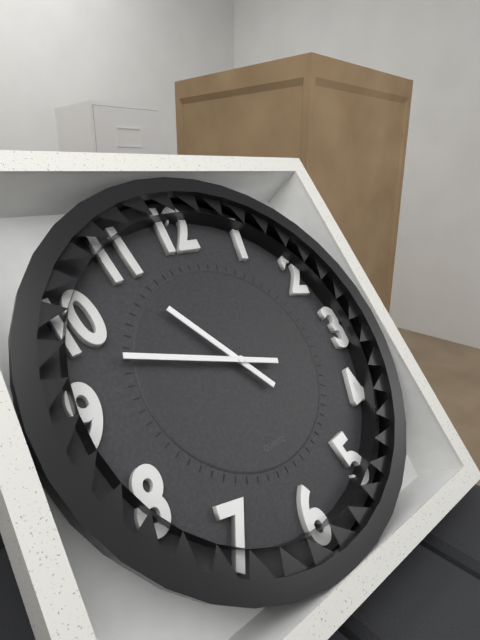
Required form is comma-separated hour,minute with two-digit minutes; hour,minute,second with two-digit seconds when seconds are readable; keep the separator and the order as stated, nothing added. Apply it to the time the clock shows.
10,48
